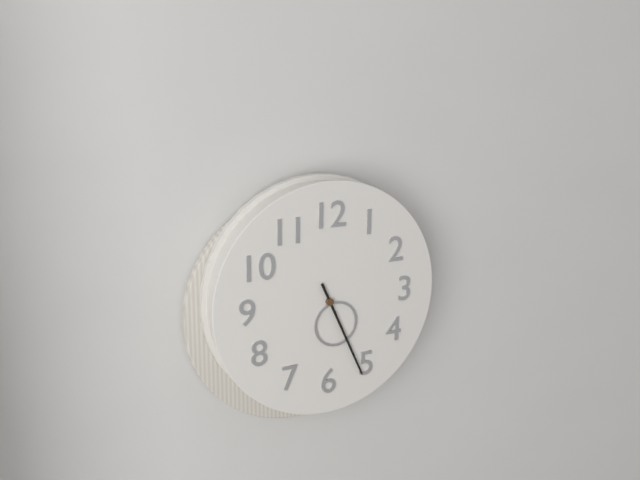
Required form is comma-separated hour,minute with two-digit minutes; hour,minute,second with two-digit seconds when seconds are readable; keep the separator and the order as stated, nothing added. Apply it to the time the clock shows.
5,26
